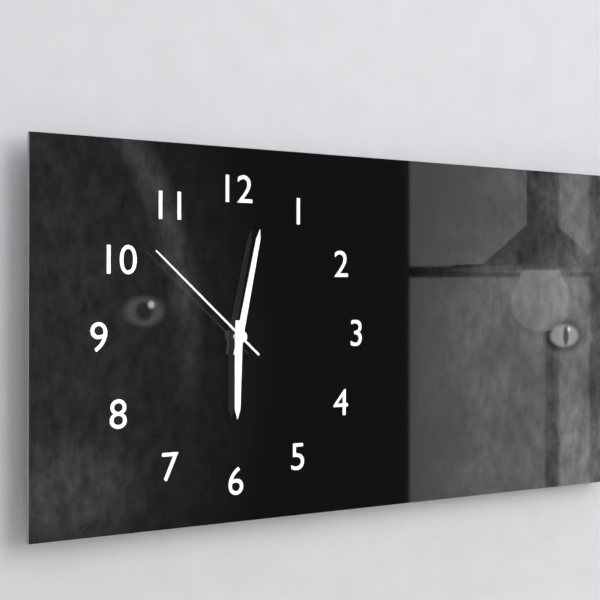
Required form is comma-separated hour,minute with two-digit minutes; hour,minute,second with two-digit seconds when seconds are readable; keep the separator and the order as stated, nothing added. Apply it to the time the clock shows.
6,02,52
